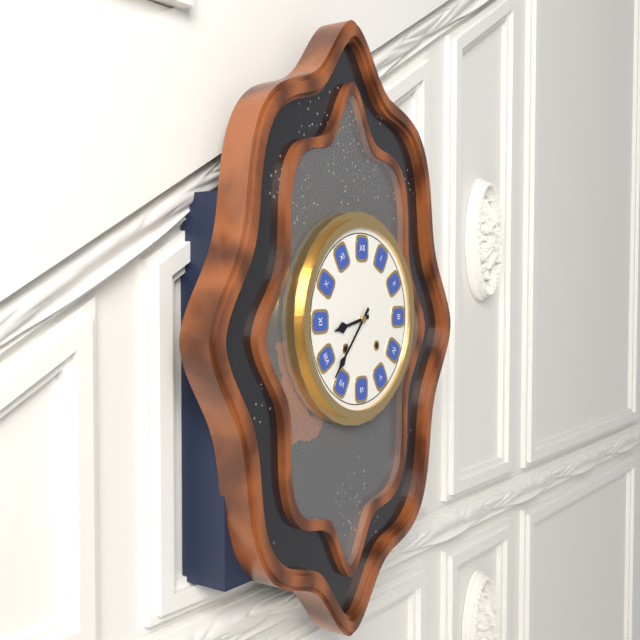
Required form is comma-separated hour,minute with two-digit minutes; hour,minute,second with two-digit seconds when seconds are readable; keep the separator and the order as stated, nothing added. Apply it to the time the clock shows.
8,37
